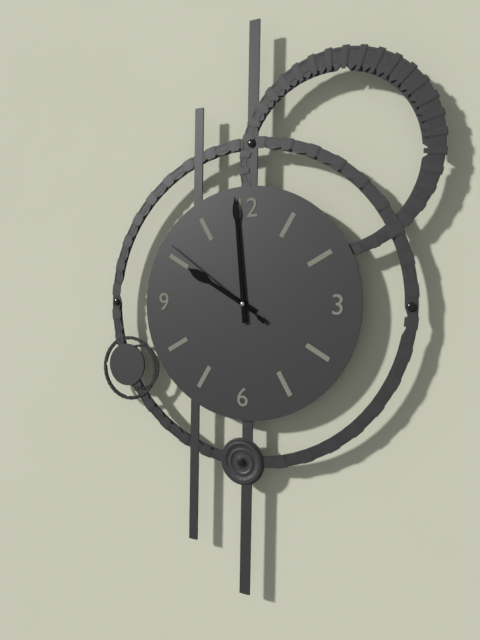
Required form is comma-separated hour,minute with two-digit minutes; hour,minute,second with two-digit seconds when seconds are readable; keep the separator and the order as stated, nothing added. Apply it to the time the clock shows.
9,59,51
